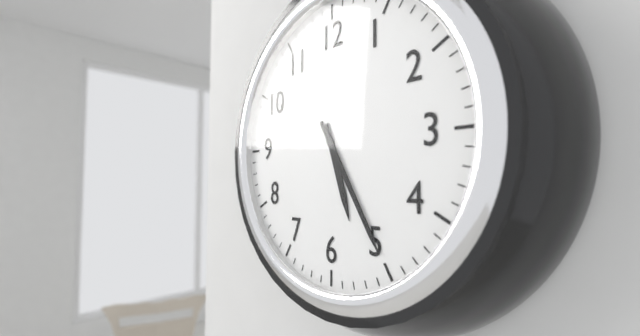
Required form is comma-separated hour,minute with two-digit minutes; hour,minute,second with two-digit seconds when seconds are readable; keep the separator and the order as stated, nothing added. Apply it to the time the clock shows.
5,25
